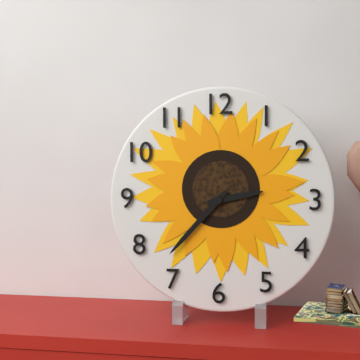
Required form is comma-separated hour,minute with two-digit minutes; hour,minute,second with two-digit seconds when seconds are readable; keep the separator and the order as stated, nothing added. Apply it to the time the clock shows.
2,37
